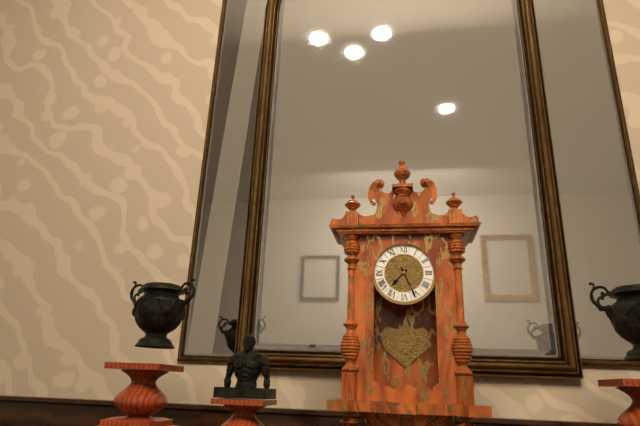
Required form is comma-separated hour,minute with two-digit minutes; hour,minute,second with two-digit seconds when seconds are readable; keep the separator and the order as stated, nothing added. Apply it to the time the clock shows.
7,26
